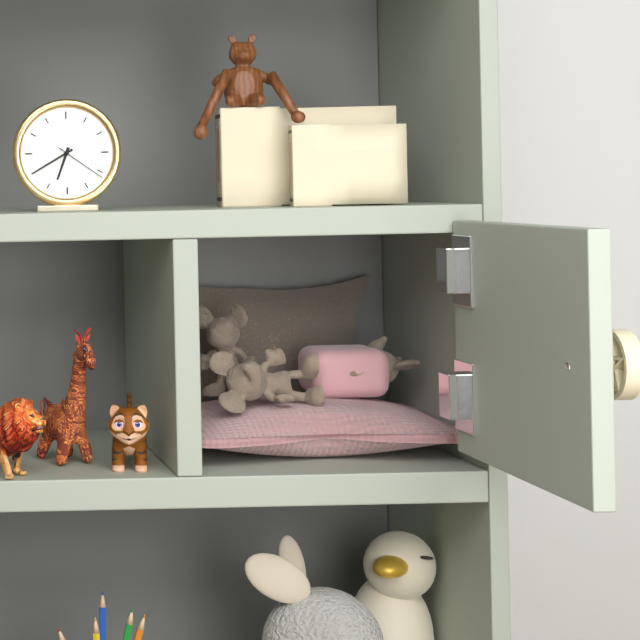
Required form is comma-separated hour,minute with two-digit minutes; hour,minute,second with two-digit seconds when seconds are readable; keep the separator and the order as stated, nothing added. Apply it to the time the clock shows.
6,40,21
